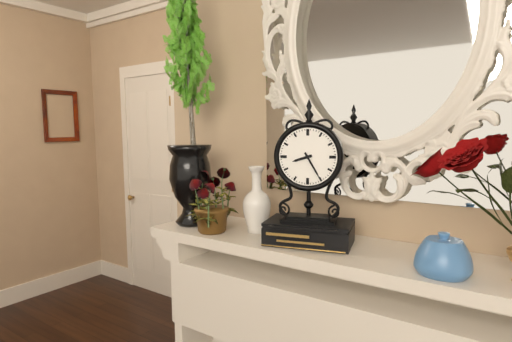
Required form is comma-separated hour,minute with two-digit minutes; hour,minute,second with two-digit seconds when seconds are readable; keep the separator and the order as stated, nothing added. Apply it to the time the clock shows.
8,25
